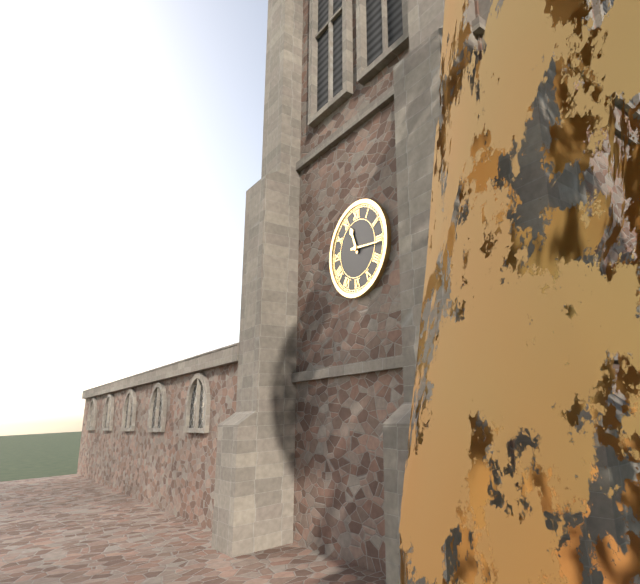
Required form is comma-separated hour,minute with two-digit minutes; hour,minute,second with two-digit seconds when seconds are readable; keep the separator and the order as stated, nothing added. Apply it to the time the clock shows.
11,16
